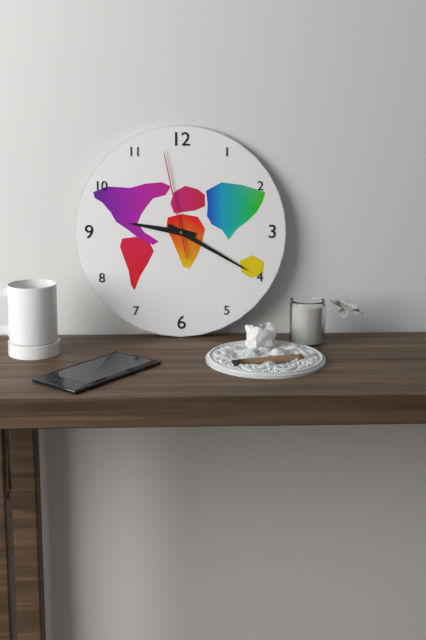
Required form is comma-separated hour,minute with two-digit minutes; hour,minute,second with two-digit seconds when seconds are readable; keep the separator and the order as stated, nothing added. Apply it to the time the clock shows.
9,20,58
